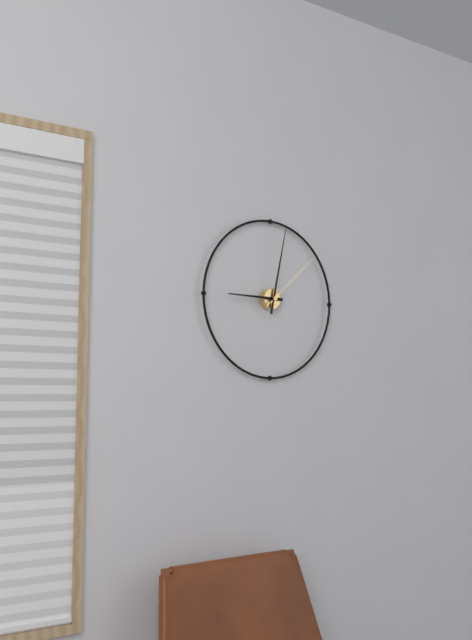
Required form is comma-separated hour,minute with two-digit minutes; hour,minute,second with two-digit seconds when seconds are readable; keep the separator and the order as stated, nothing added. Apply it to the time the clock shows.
9,02,08
